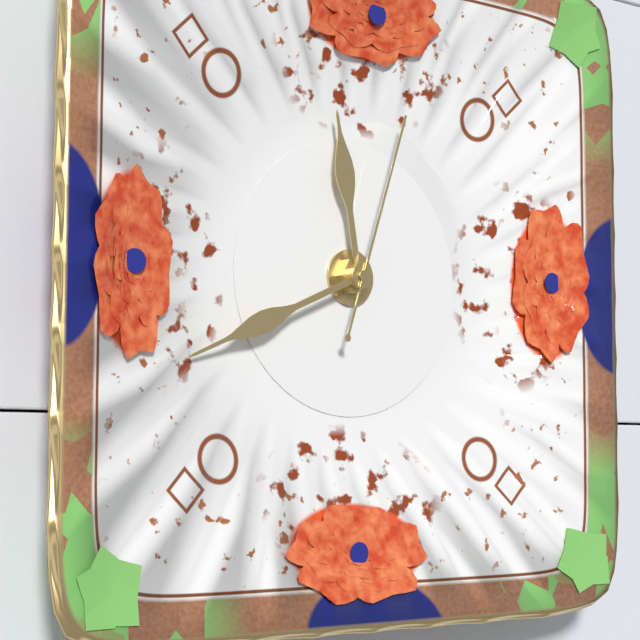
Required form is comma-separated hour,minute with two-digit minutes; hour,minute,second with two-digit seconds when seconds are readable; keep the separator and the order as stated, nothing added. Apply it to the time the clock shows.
11,41,03
